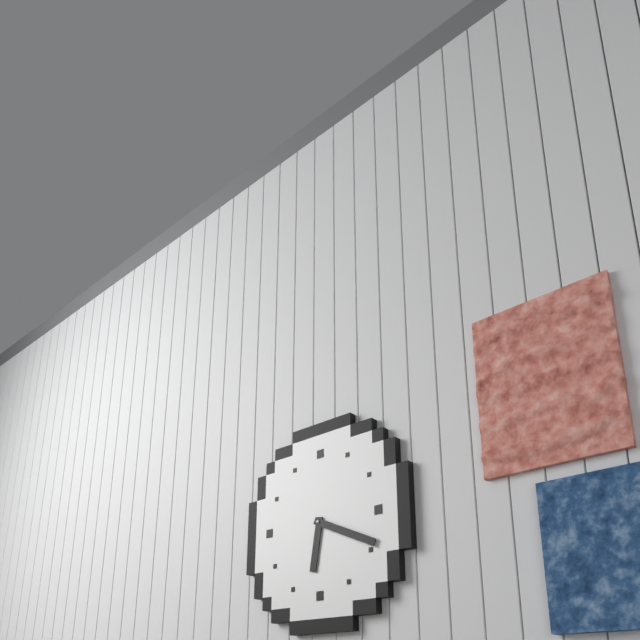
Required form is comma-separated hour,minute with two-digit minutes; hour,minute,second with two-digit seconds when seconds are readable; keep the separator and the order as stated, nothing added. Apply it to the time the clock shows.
6,19
